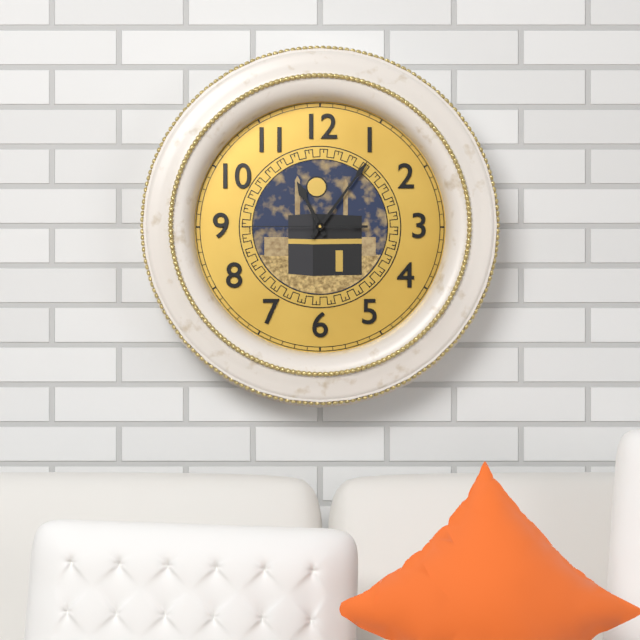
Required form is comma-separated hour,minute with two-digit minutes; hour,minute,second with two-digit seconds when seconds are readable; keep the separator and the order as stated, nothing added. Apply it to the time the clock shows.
11,06,45
